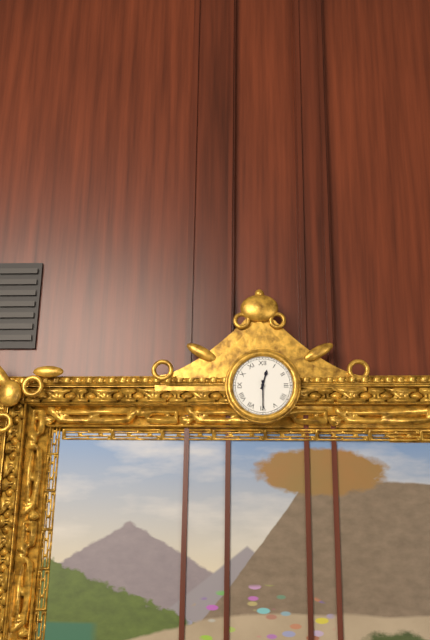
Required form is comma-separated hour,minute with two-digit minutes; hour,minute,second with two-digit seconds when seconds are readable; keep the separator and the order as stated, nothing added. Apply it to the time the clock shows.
12,30
